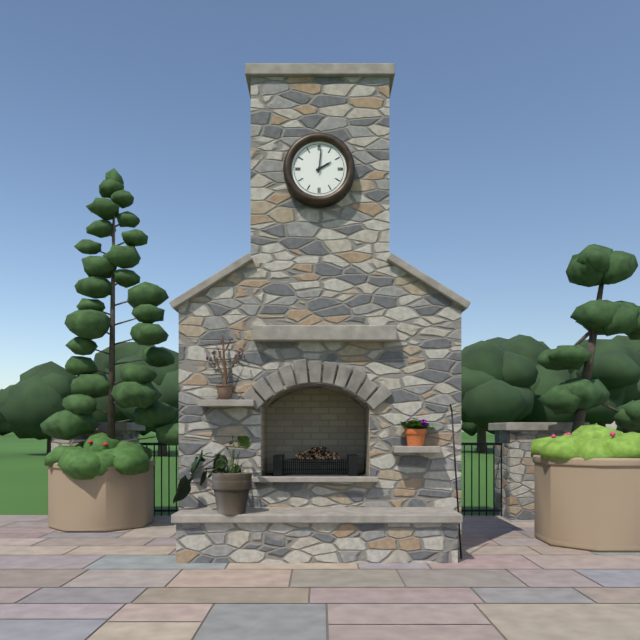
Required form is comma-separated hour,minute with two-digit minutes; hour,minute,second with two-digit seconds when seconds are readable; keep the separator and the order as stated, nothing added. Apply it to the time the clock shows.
2,01
